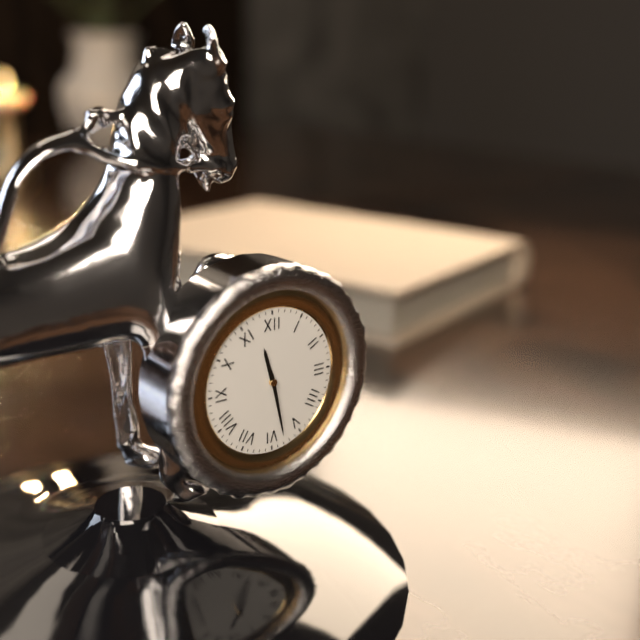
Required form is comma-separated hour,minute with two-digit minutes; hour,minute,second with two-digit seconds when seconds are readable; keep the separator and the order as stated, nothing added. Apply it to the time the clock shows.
11,28
